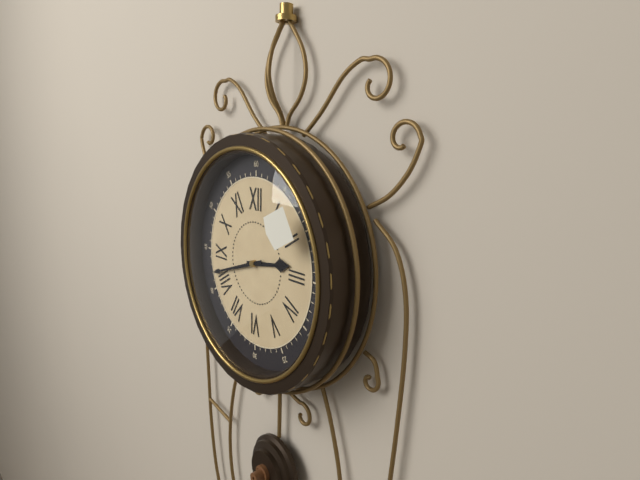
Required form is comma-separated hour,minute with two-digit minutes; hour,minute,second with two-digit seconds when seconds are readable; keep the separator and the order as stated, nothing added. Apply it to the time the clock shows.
2,42
